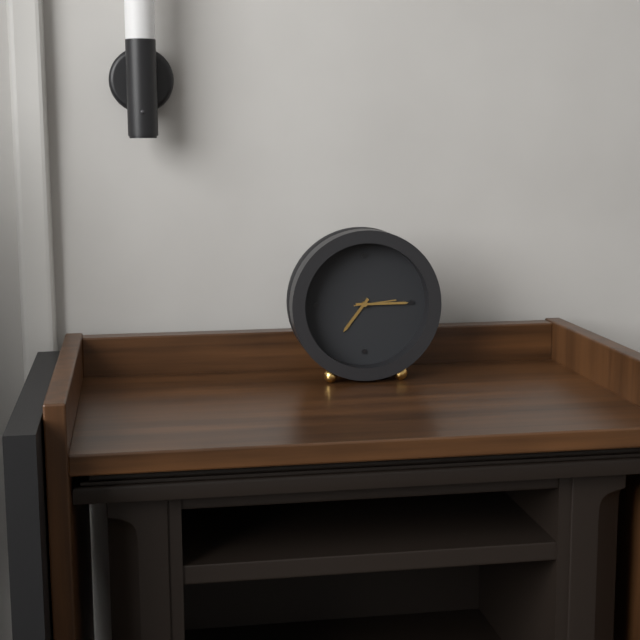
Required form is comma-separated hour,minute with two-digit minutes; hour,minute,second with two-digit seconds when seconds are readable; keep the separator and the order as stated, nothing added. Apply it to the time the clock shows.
7,15
